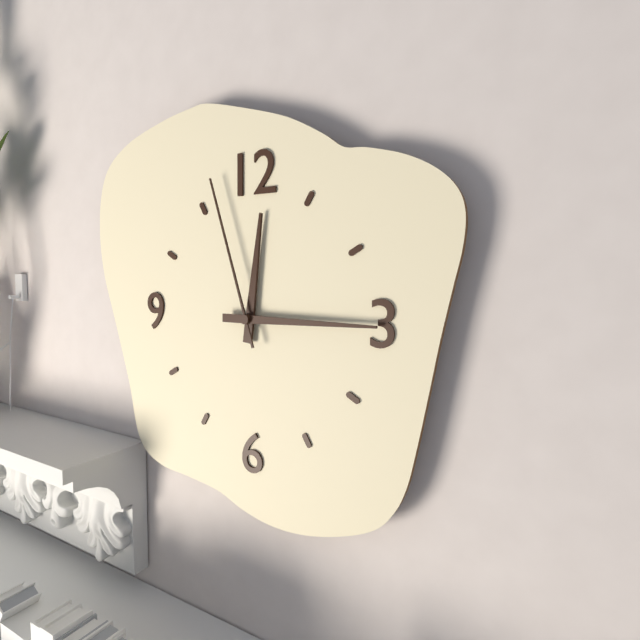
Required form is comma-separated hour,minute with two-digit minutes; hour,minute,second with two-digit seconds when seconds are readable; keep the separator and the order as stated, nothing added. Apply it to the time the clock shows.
12,15,57
